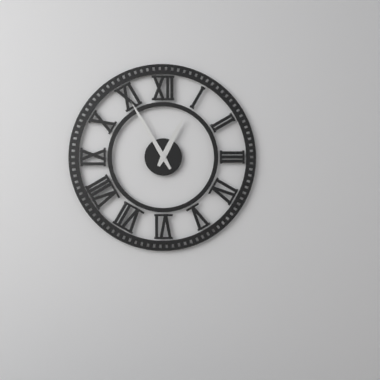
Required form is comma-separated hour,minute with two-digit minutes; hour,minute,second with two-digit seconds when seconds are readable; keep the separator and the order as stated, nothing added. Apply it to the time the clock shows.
12,55
